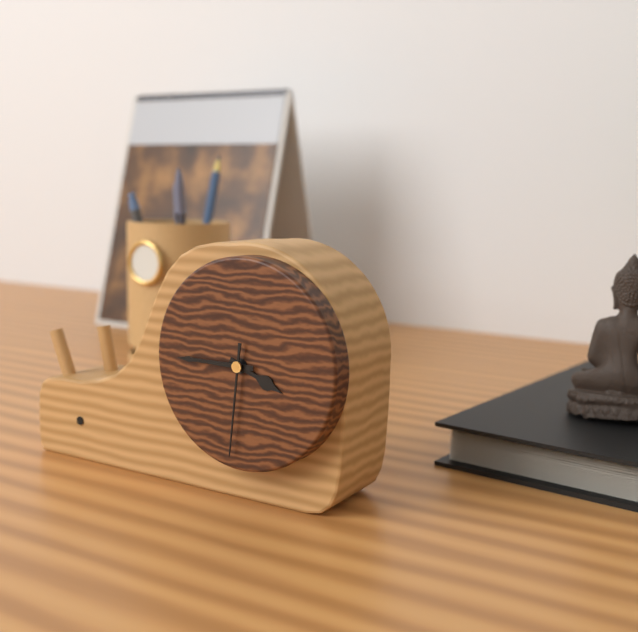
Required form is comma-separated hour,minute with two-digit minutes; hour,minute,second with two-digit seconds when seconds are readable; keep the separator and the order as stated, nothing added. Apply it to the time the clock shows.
3,45,31
